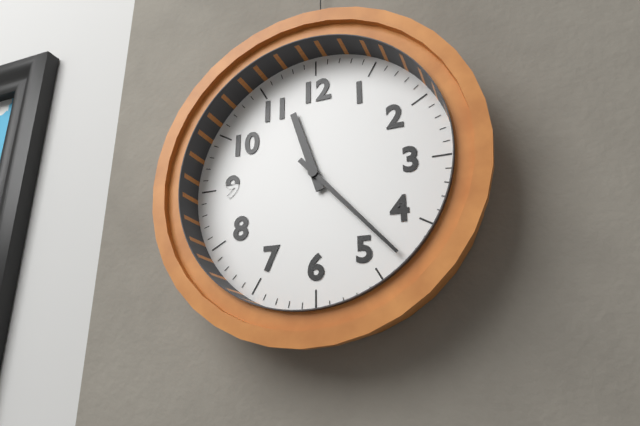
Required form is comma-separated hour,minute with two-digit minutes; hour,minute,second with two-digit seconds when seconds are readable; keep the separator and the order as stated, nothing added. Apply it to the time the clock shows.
11,23
